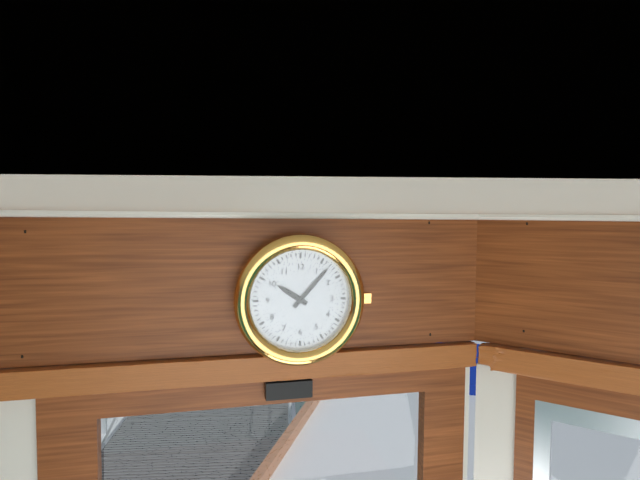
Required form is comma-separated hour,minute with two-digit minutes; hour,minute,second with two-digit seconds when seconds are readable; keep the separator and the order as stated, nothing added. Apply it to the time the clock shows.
10,07
